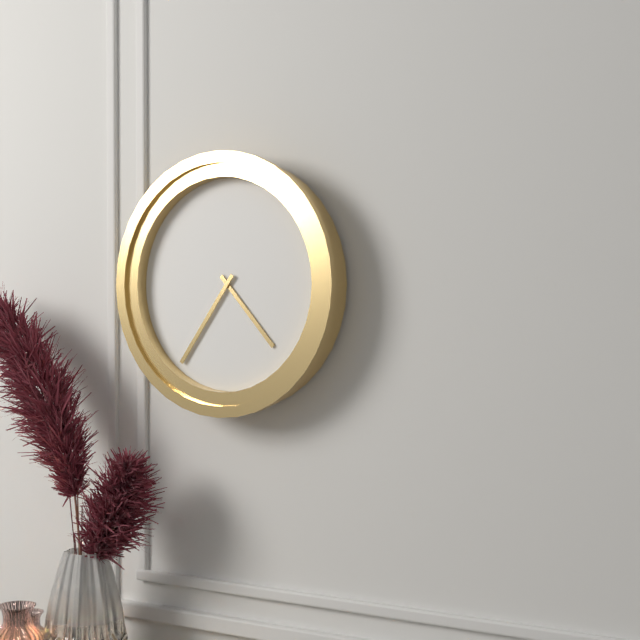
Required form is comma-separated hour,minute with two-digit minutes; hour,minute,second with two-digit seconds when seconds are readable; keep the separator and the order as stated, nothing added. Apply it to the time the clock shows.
4,36
